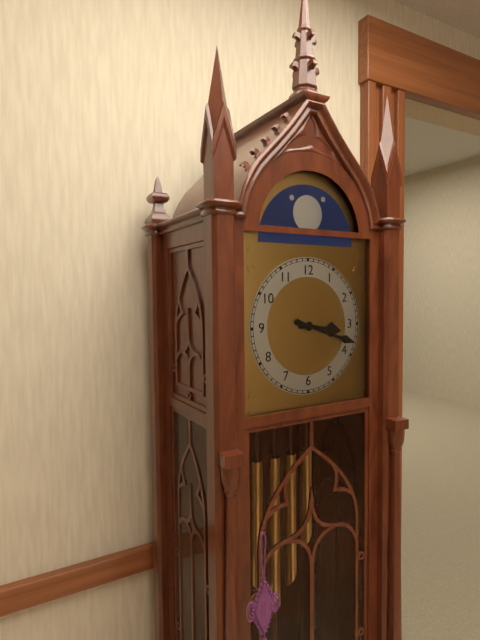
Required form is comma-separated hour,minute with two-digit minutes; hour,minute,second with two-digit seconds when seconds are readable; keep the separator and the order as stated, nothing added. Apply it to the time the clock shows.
3,18
